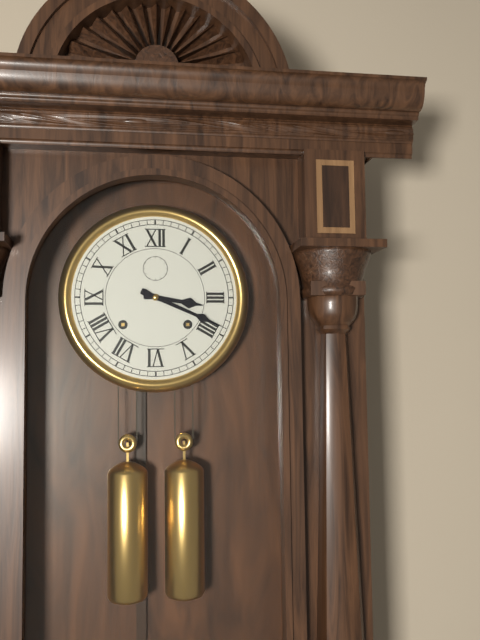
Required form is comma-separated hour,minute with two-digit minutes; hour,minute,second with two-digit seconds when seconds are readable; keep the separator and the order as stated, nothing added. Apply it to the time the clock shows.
3,19
